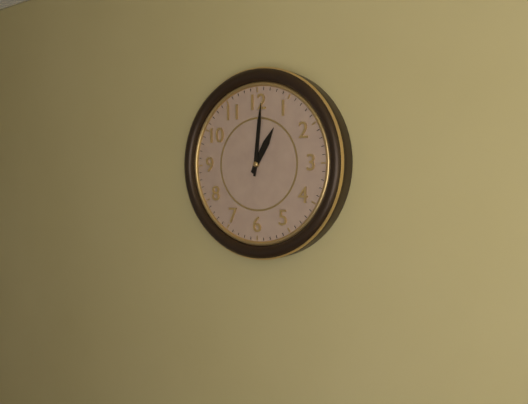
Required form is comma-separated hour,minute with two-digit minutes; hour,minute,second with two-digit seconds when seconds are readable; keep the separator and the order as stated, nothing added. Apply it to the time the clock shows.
1,01
